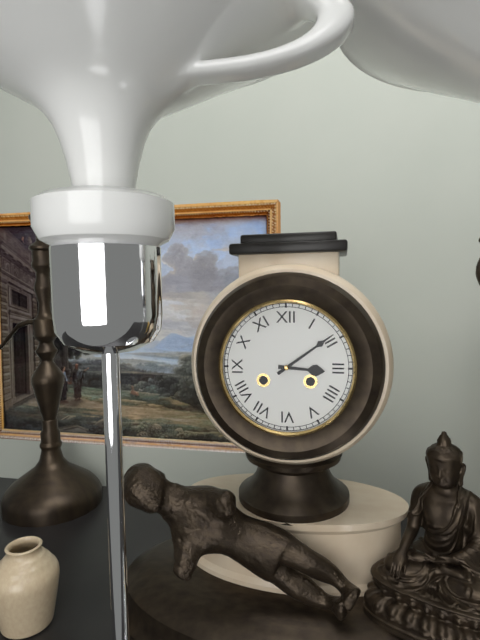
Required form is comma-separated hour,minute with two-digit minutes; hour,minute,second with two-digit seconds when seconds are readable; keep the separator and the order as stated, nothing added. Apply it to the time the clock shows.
3,09
